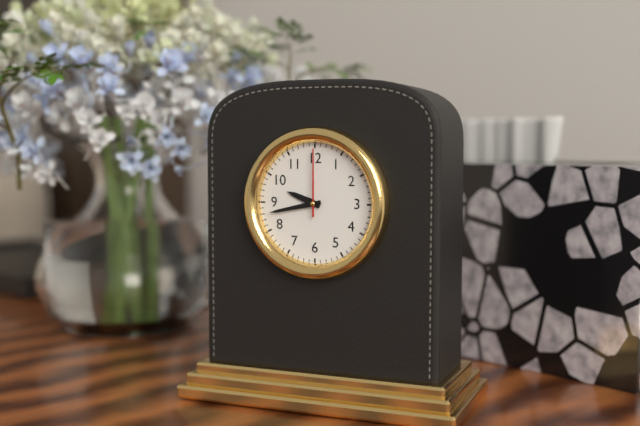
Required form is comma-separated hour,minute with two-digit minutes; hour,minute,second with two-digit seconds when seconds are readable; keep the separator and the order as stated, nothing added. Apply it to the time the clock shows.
9,43,00
